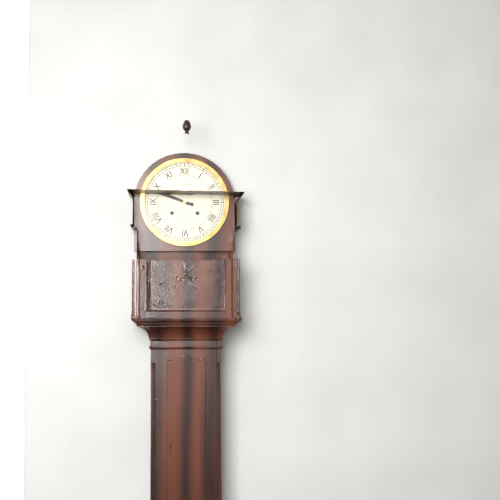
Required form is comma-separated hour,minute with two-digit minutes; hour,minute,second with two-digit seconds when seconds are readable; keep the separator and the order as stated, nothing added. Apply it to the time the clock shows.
9,48
